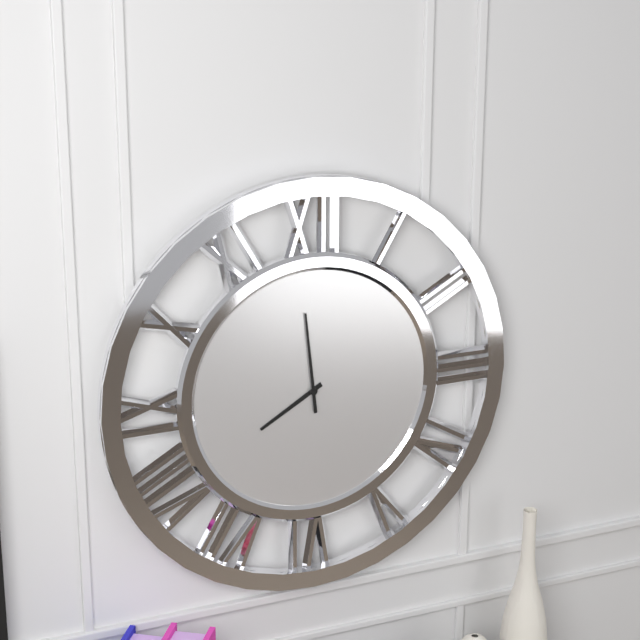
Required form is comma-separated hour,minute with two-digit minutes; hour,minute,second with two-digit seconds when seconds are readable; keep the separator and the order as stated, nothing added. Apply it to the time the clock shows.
7,59
